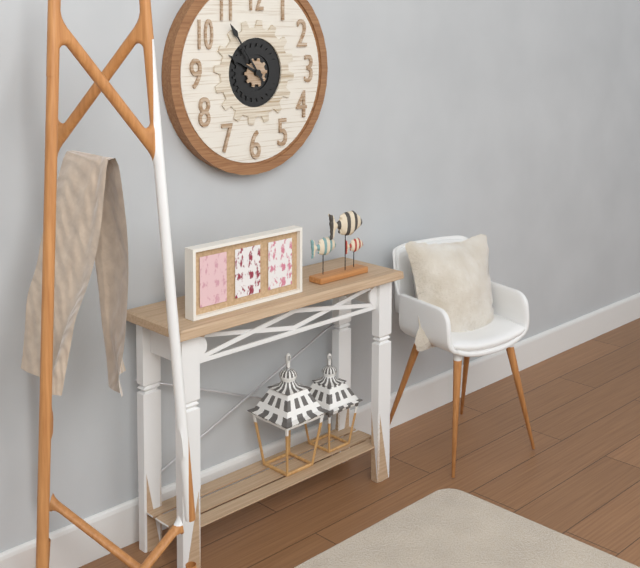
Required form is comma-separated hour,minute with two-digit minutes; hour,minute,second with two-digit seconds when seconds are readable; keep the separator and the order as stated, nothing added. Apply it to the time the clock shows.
9,54
